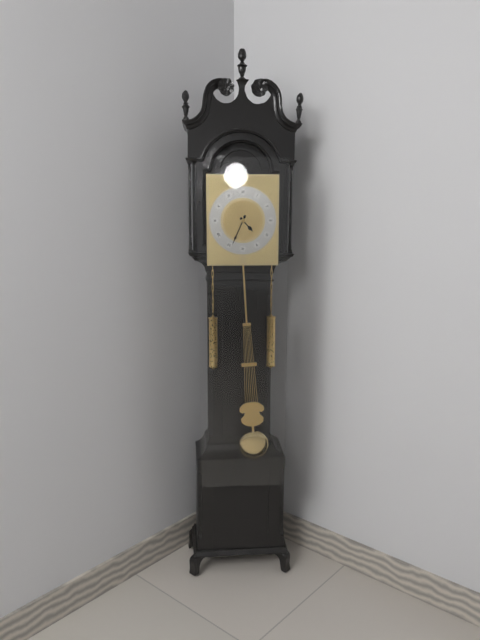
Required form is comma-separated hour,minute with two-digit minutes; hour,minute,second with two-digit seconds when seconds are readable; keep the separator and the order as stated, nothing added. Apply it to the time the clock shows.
4,34
